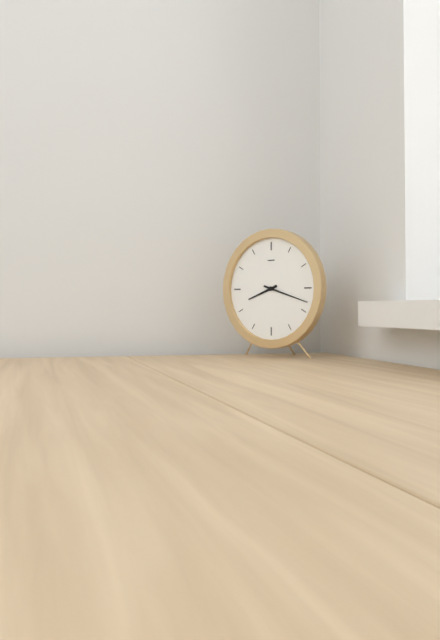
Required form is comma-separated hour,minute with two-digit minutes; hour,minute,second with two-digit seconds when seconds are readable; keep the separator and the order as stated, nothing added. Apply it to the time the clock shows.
8,18
